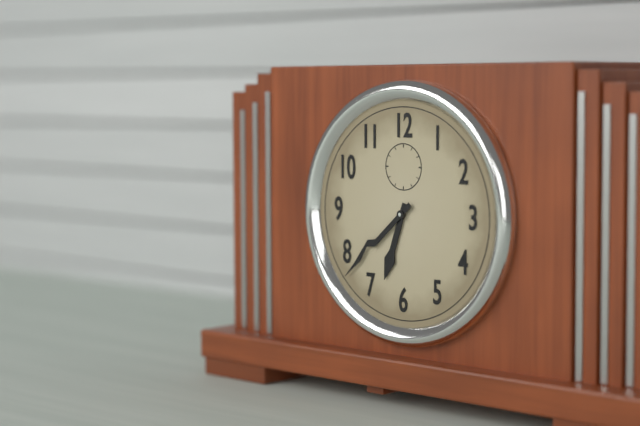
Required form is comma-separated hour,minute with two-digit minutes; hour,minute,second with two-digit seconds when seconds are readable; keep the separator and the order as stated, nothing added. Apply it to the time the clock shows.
6,38
